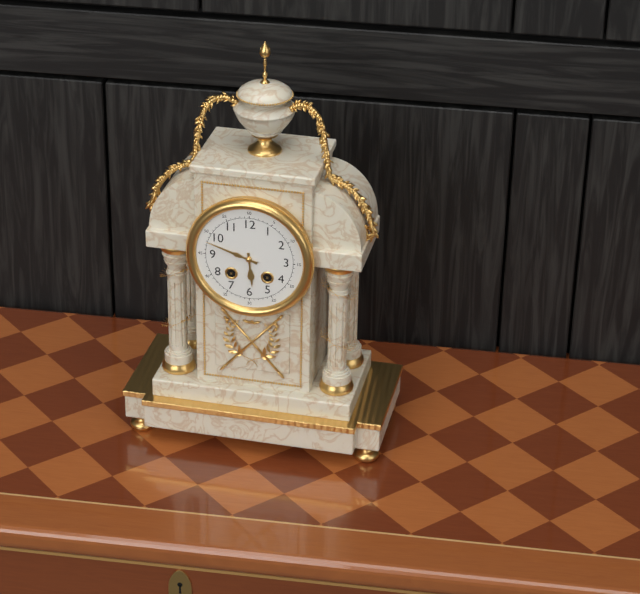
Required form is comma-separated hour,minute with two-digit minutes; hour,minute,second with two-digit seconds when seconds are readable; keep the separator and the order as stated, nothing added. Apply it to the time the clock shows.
5,48
